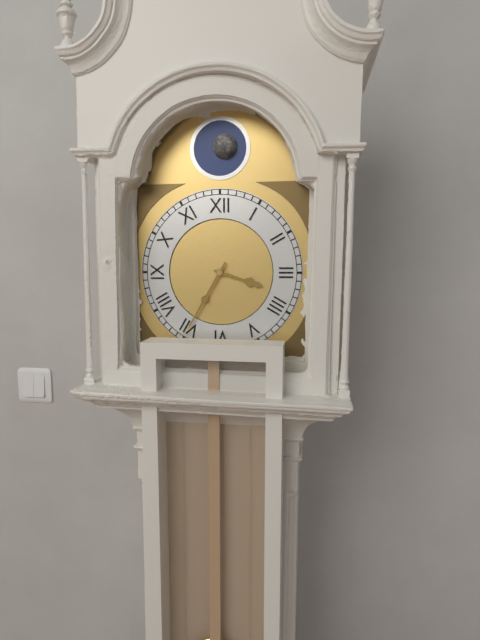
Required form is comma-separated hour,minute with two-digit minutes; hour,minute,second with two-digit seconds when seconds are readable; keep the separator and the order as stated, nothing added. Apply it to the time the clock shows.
3,35
